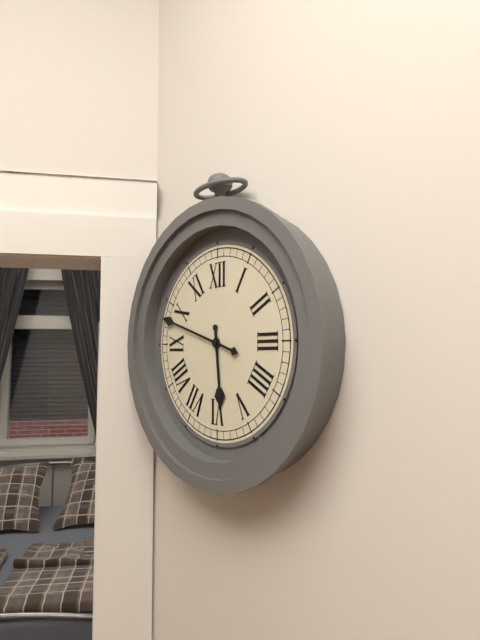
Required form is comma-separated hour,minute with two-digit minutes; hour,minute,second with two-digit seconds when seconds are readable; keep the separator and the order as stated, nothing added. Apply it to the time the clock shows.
5,48
